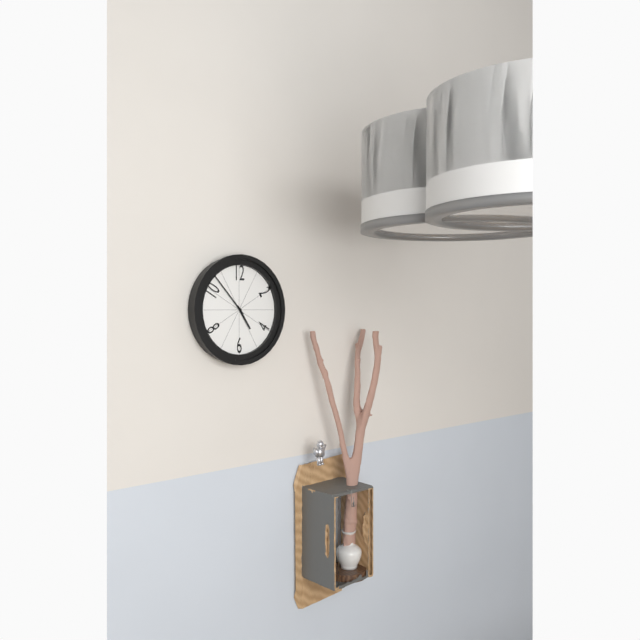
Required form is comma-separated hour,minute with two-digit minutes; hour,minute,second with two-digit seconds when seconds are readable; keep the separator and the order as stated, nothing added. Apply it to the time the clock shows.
4,53
